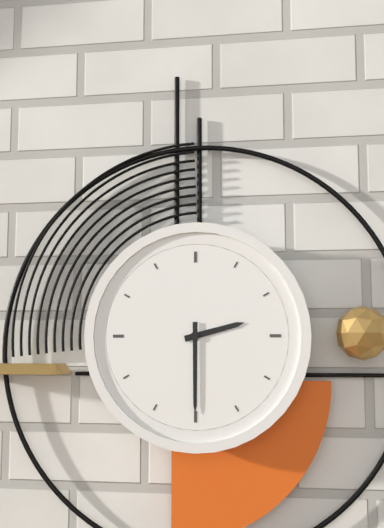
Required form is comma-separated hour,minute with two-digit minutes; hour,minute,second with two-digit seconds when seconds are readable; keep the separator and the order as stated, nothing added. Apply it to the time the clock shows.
2,30
